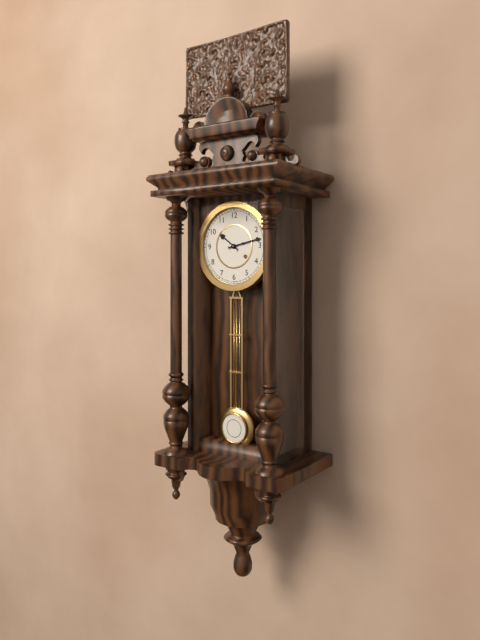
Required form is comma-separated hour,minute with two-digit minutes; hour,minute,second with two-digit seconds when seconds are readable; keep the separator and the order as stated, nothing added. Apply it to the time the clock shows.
10,13
